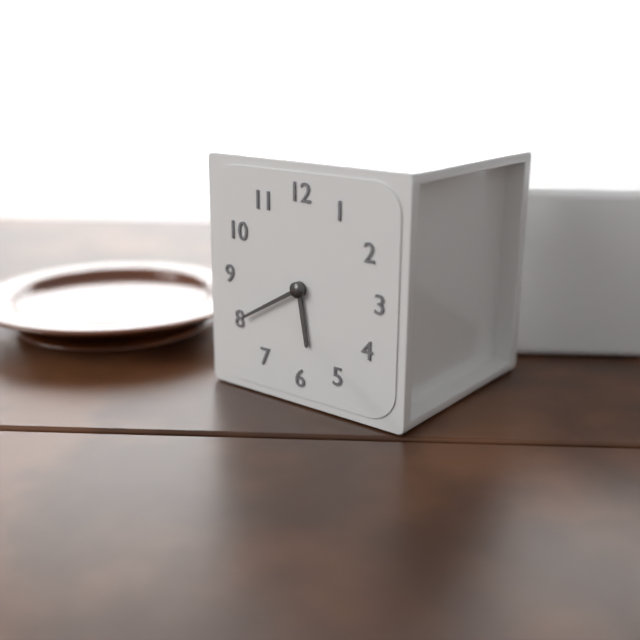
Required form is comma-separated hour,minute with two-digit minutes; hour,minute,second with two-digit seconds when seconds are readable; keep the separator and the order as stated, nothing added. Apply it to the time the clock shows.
5,40
